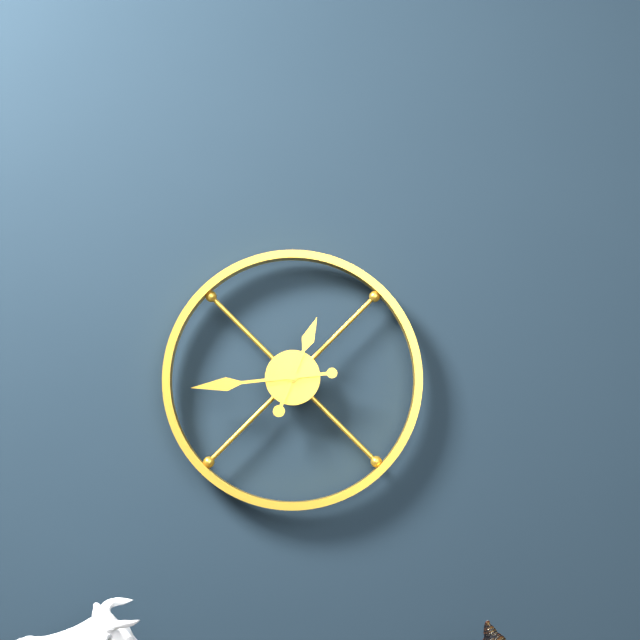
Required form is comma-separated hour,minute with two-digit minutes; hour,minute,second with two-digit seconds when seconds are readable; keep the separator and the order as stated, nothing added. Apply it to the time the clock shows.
12,44
